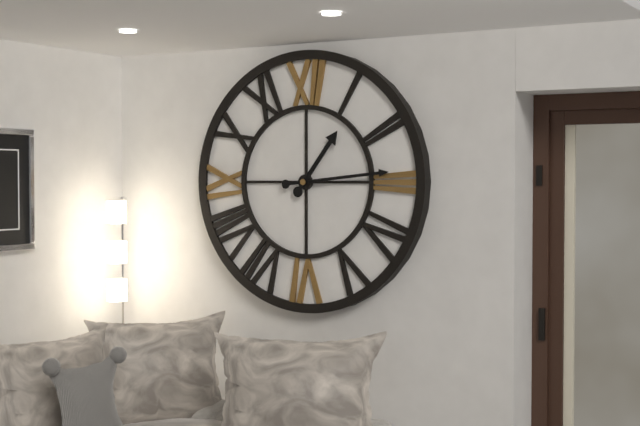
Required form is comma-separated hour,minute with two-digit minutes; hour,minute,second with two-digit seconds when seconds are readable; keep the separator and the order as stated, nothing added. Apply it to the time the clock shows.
1,14
